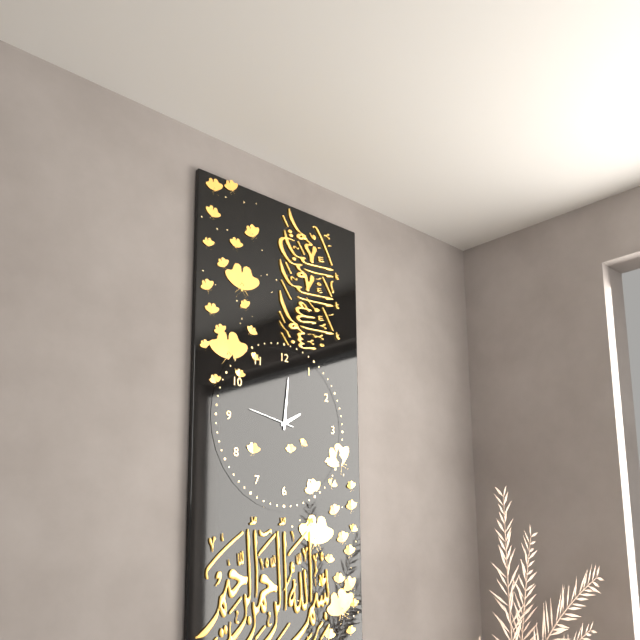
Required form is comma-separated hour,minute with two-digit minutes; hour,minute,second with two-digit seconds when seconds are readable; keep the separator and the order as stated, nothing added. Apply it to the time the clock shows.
2,01
